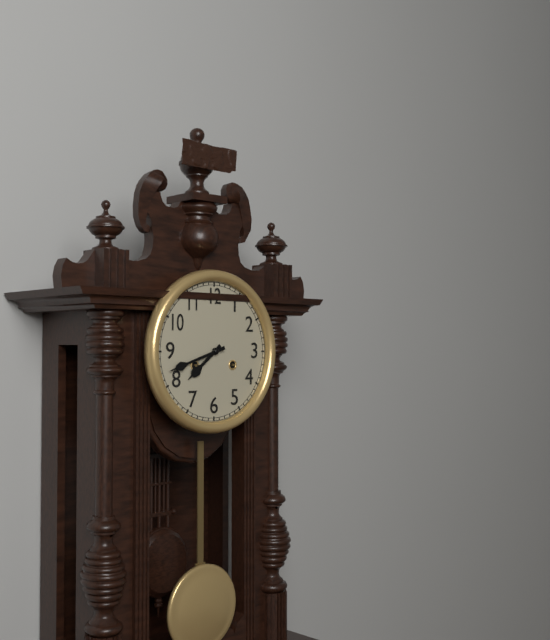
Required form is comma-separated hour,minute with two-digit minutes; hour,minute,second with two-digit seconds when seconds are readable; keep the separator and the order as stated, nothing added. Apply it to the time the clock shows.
7,42
